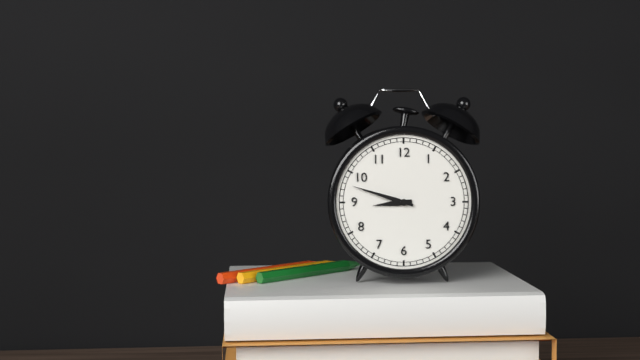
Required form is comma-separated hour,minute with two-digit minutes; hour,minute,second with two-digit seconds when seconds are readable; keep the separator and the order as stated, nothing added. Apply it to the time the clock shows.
8,48
